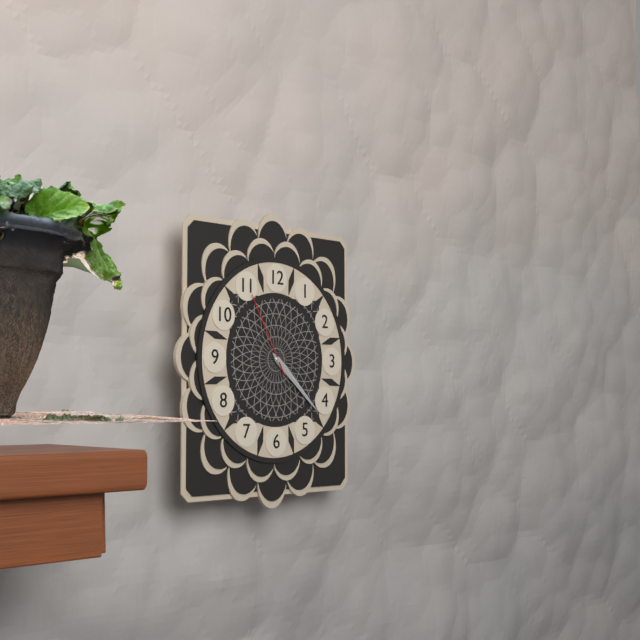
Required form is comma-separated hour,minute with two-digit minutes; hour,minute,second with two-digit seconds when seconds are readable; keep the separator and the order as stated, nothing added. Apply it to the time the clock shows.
4,22,55
